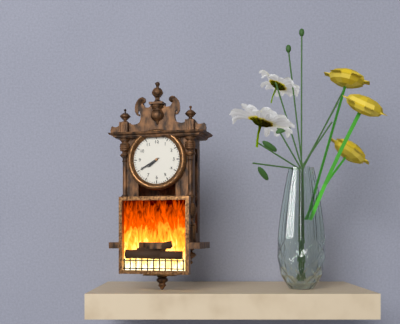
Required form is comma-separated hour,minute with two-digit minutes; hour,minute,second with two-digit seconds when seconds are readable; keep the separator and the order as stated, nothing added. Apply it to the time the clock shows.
7,40
